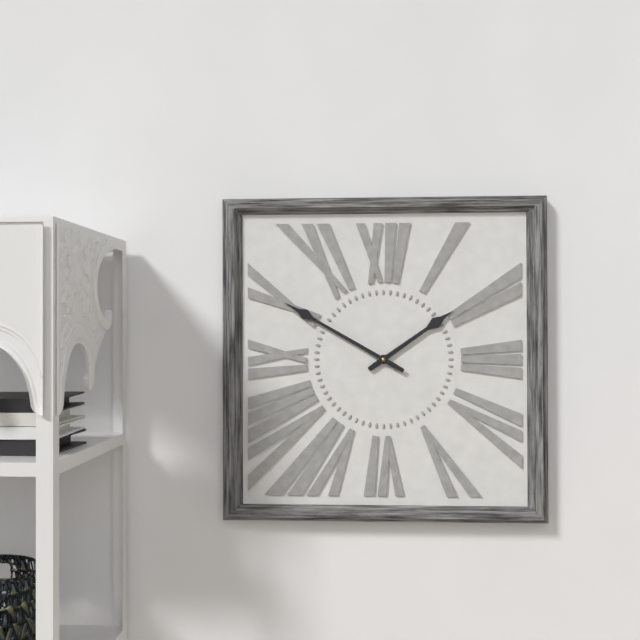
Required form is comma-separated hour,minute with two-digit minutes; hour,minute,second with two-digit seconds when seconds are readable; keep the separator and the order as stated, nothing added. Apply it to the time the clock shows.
1,50
